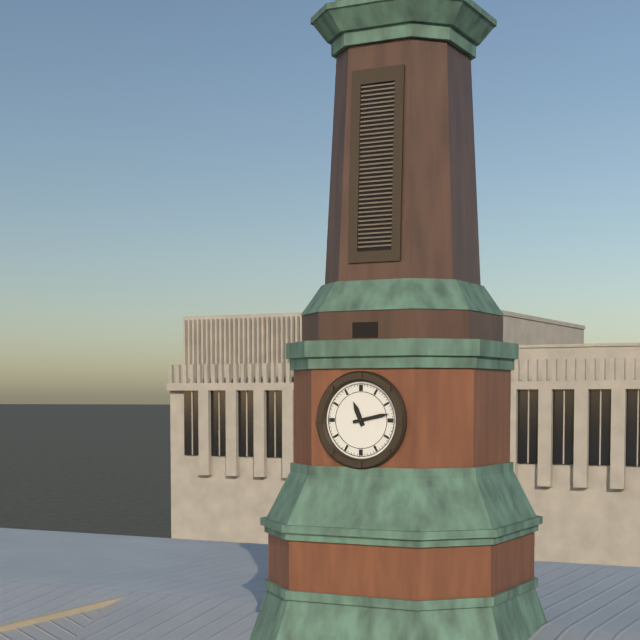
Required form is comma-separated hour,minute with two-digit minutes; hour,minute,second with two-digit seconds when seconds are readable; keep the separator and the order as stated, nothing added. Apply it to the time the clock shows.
11,13
